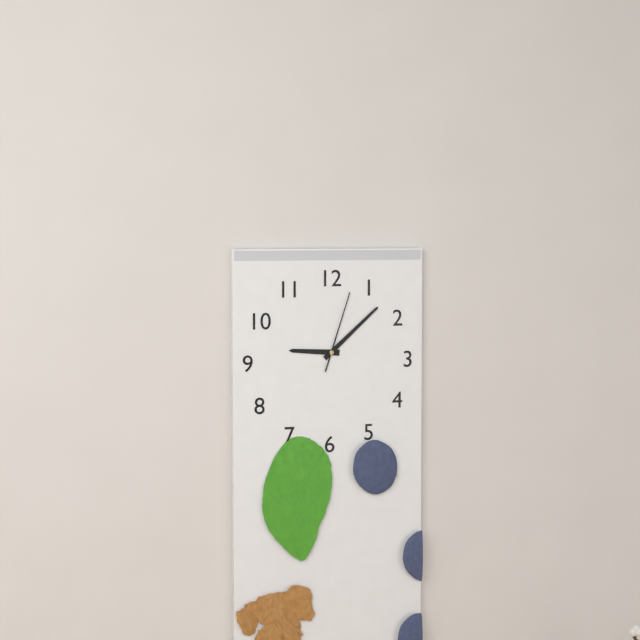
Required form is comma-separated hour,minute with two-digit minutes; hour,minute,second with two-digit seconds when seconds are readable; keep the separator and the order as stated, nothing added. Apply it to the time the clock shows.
9,08,03
